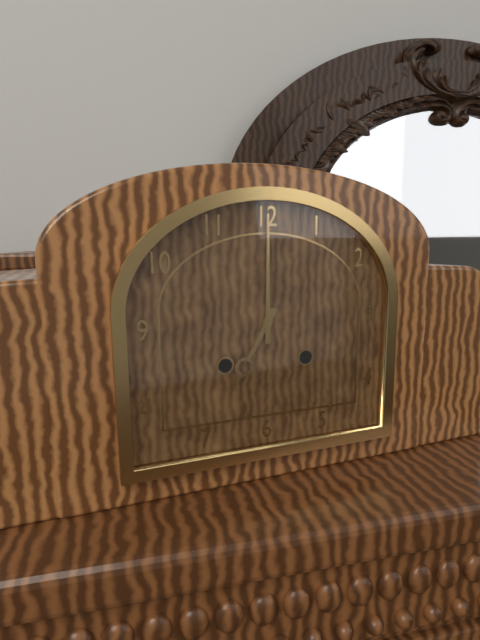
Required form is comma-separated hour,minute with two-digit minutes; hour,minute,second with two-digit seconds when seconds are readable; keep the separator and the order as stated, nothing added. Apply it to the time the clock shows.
7,00
